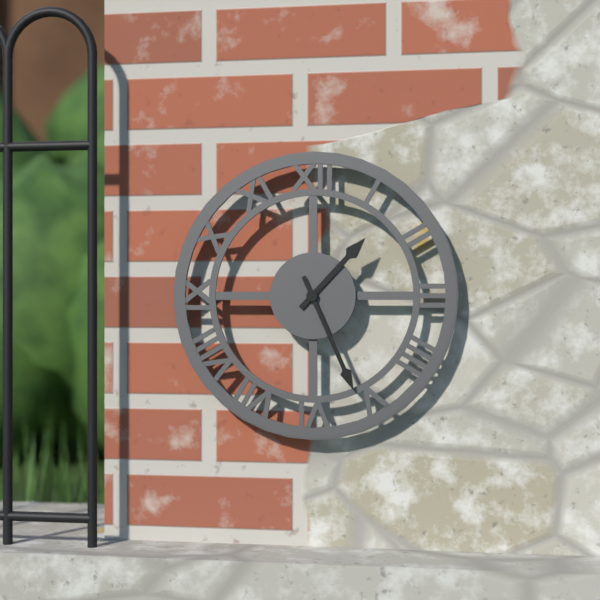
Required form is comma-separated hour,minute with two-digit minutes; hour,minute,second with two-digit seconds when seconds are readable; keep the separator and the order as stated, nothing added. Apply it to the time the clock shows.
1,26
